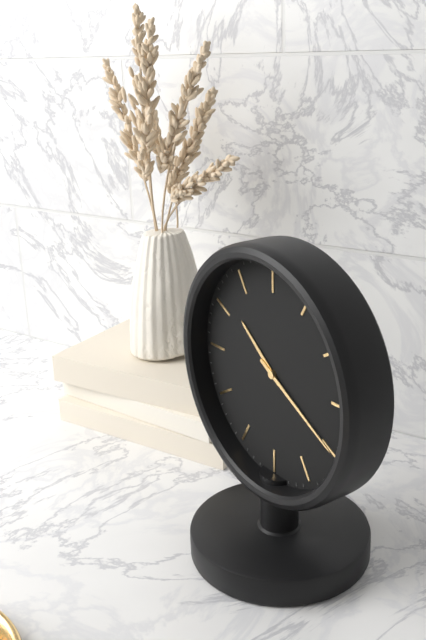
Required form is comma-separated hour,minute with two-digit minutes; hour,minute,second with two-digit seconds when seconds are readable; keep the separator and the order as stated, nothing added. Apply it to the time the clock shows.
10,20
